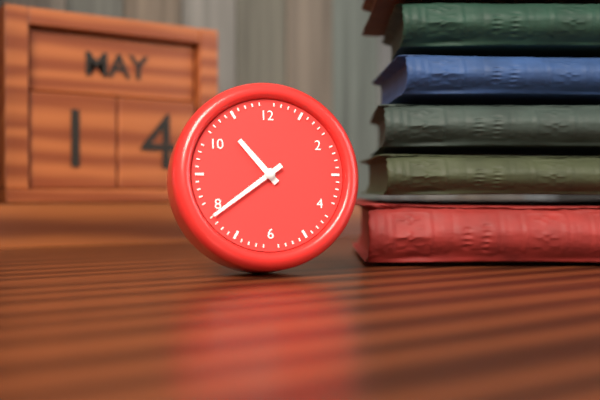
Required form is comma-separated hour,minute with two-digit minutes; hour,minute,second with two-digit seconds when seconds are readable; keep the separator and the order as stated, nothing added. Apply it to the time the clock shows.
10,39
